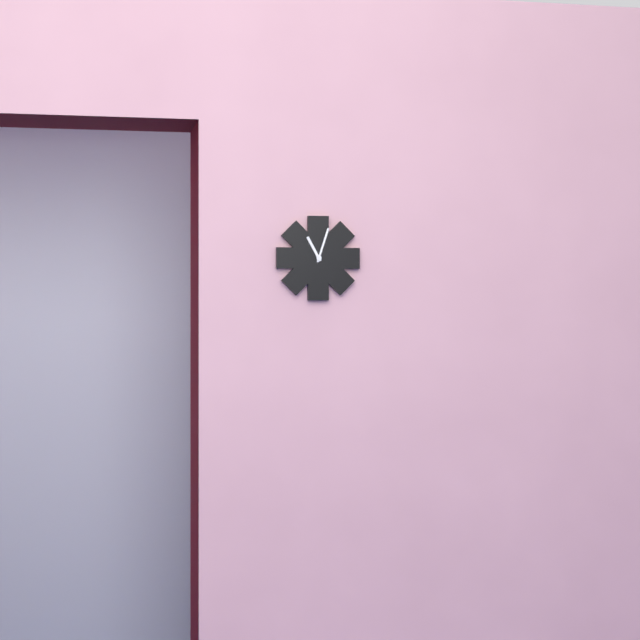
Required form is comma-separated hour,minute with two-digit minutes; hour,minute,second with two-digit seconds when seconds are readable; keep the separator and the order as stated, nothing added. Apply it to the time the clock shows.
11,03
